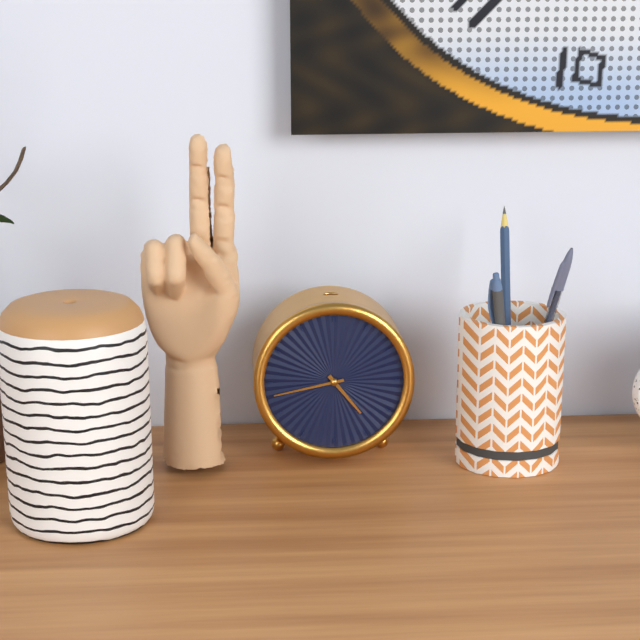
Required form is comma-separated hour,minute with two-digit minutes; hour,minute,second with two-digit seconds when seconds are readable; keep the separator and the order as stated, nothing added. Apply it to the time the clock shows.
4,43
